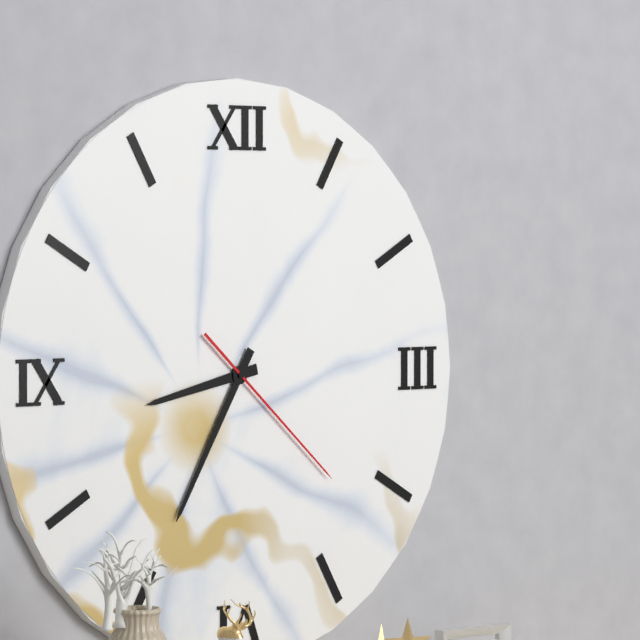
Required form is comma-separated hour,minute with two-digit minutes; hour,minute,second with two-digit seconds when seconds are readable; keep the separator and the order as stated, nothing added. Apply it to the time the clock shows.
8,35,22
